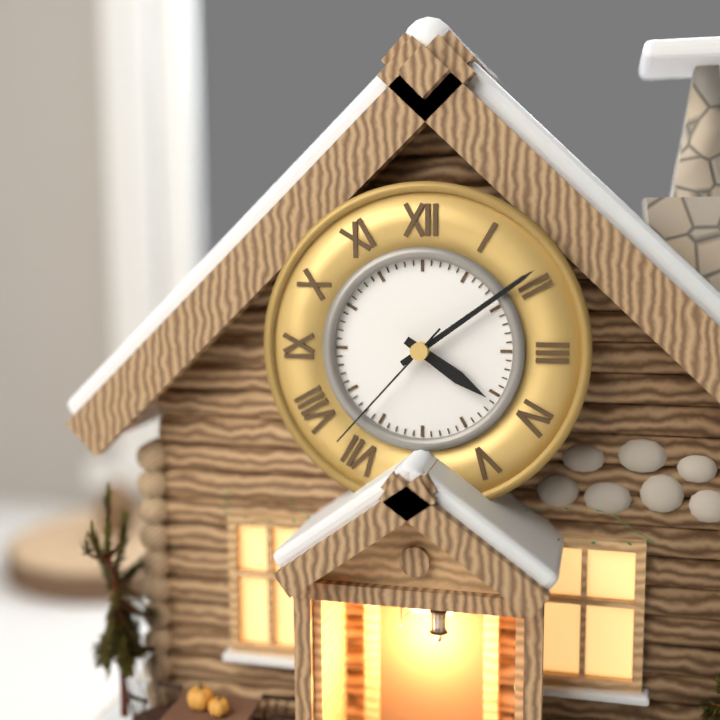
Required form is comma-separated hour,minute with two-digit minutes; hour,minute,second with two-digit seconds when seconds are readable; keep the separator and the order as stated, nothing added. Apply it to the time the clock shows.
4,09,37
